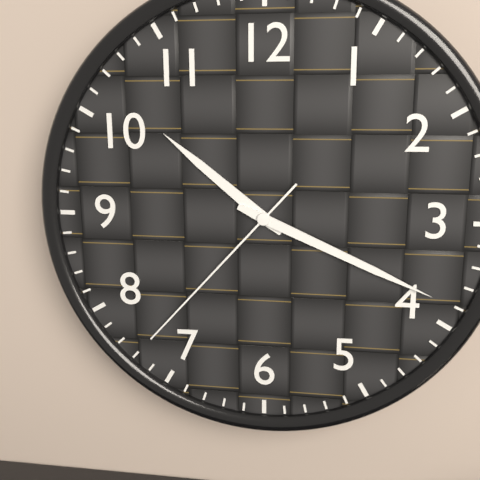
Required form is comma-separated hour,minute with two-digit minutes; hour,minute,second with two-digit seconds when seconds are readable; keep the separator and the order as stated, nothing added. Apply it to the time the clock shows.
10,19,37
